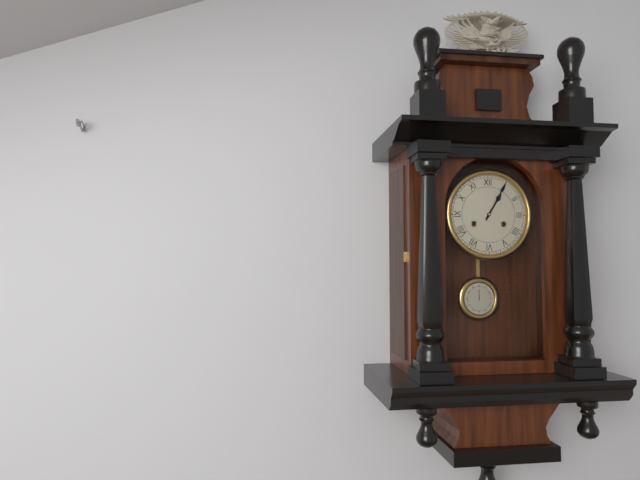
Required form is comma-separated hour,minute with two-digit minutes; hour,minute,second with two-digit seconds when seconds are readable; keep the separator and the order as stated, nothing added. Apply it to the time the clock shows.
1,05
